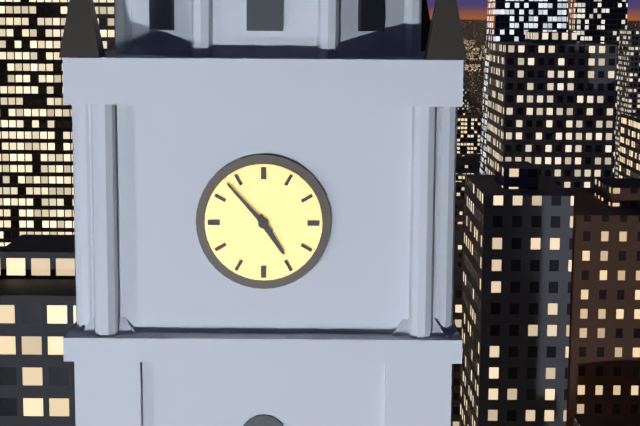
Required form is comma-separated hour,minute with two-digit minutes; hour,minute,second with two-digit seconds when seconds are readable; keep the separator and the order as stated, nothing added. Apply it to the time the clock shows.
4,53
